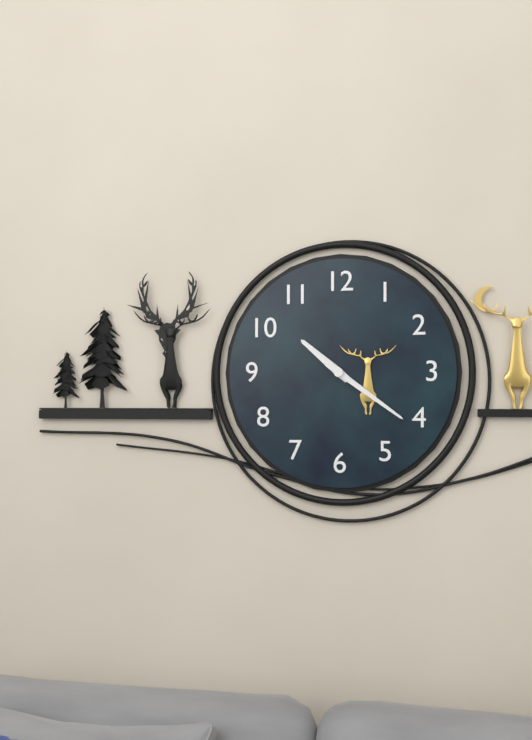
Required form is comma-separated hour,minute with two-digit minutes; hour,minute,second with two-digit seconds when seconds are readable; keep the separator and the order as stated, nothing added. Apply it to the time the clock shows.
10,21
